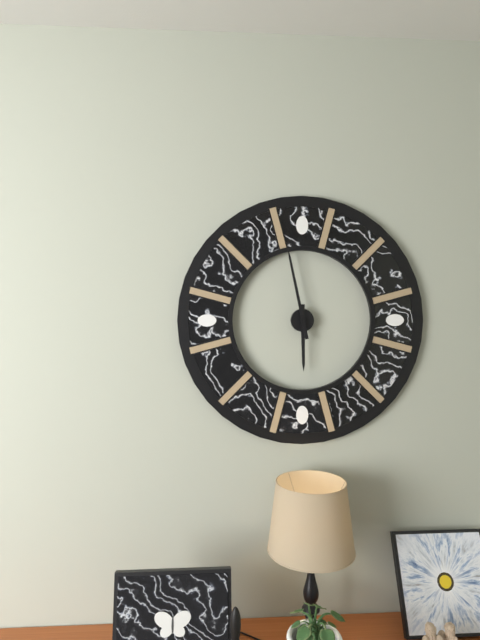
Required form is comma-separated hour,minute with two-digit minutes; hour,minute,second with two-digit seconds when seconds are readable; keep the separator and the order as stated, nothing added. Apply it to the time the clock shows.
5,58
